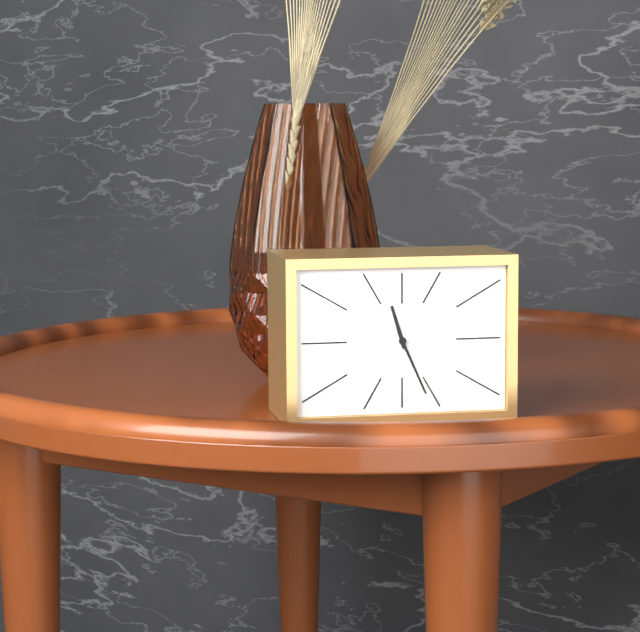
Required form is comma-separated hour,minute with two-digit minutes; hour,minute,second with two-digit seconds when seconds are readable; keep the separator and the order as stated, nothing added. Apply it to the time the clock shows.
11,26
